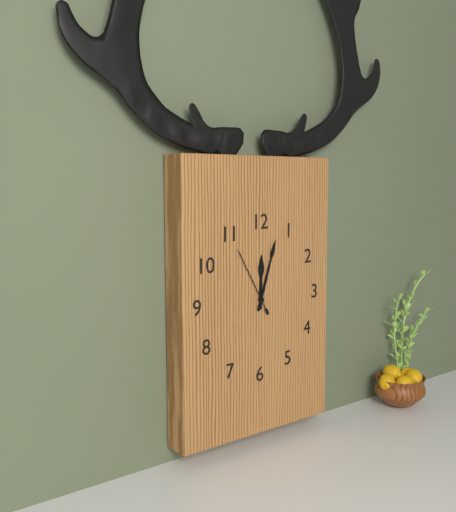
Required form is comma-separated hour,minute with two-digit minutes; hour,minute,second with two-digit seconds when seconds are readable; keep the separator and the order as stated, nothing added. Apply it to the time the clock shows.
12,03,55
